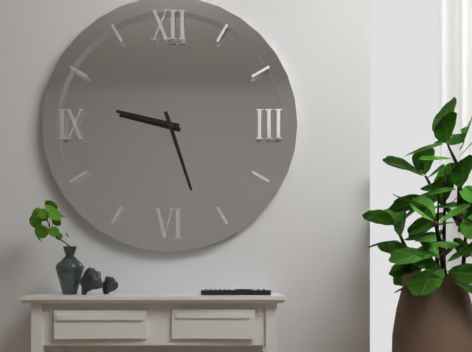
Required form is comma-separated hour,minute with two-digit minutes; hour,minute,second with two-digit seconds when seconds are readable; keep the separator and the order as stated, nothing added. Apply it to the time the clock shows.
9,27
